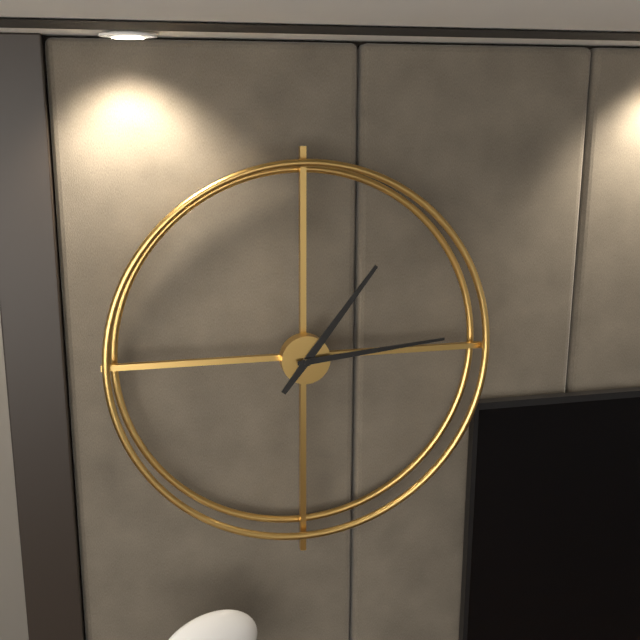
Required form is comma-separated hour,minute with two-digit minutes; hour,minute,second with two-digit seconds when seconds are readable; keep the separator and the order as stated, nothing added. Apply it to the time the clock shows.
1,14
